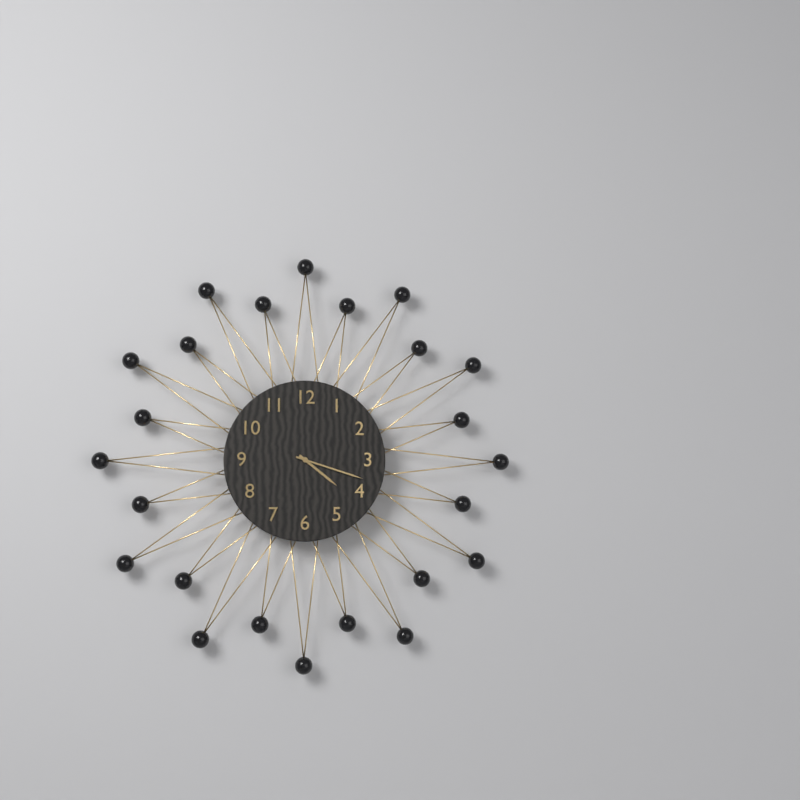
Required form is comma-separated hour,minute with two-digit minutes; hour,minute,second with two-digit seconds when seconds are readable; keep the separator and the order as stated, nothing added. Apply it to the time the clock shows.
4,18
